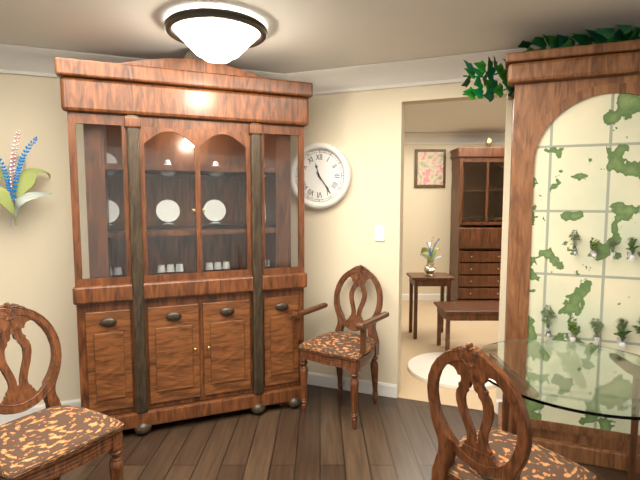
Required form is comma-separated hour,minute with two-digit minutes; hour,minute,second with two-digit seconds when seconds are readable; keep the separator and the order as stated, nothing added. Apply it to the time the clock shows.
11,24
